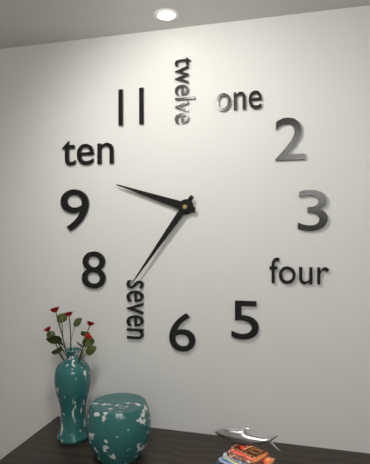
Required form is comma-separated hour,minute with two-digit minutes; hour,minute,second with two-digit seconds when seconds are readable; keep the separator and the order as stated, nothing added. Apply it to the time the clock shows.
9,36
